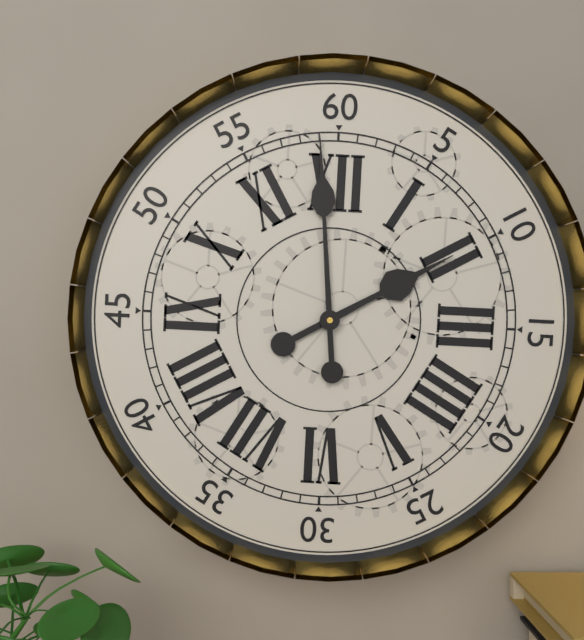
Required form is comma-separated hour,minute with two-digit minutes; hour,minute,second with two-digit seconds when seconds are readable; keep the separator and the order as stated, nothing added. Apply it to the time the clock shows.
1,59
